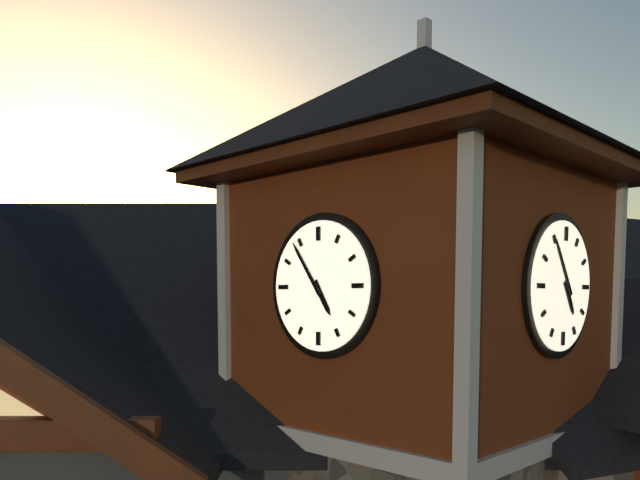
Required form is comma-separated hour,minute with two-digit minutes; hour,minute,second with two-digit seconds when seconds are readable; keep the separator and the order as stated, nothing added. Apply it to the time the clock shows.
4,54
